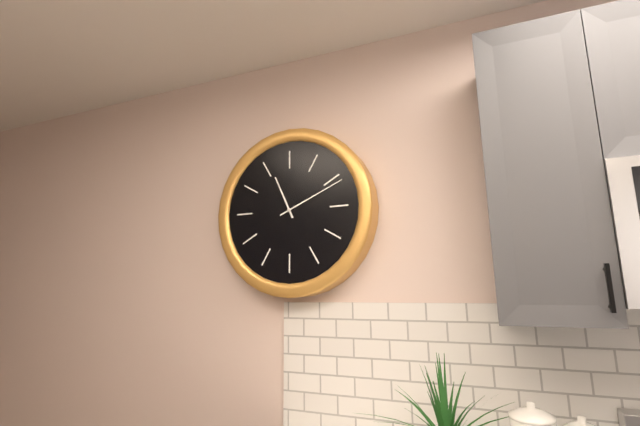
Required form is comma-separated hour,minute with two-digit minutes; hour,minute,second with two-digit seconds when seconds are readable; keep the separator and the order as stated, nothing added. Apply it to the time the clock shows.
11,11
